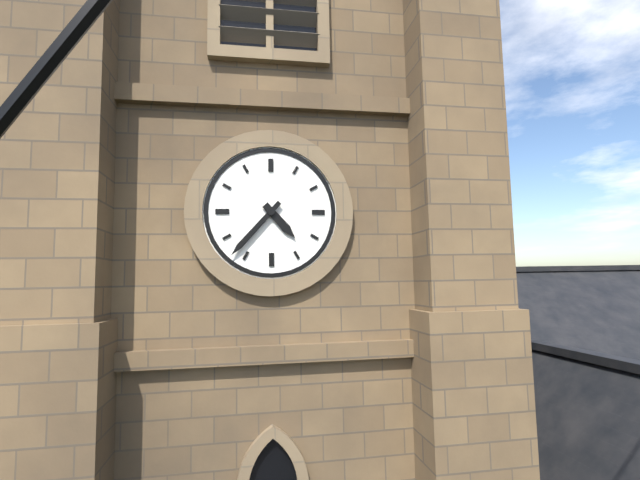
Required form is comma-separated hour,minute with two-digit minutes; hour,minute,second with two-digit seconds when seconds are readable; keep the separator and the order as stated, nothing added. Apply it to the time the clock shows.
4,37
